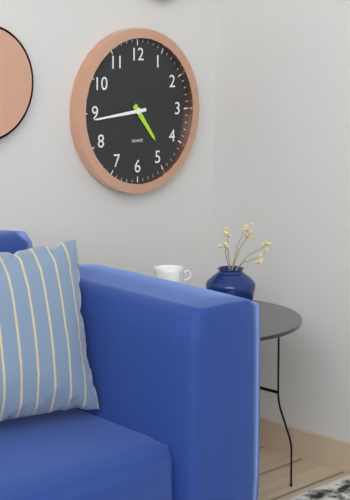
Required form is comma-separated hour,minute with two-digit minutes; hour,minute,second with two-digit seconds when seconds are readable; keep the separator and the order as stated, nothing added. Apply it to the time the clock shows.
4,44
